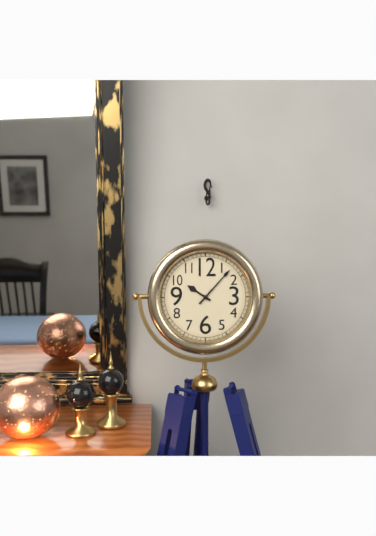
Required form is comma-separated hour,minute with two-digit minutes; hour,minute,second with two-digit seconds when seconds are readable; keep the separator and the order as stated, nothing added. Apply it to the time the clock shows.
10,07
